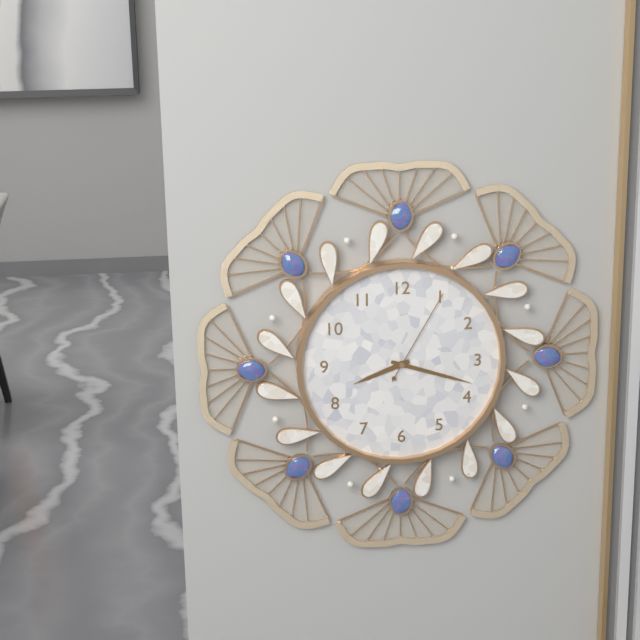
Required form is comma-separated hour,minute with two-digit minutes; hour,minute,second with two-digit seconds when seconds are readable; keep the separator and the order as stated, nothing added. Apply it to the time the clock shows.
8,18,05
